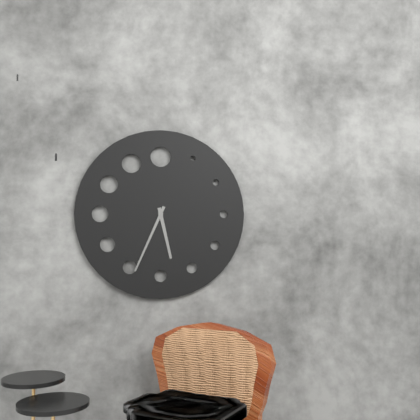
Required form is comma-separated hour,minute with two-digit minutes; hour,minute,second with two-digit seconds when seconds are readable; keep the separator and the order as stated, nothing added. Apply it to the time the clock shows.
5,34
